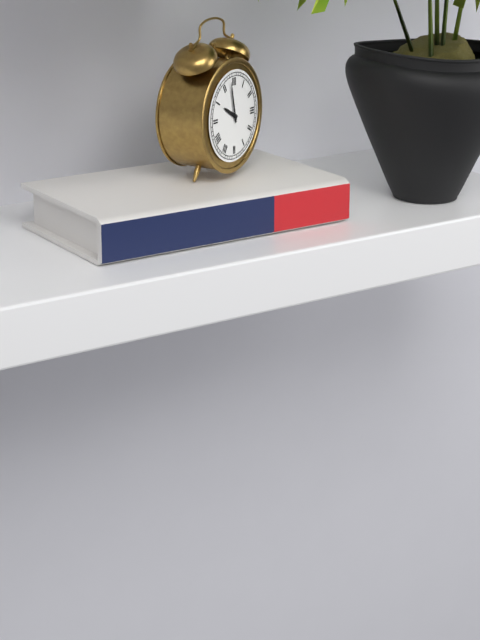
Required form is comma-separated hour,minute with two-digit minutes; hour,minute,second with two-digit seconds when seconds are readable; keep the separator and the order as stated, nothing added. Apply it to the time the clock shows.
9,58
